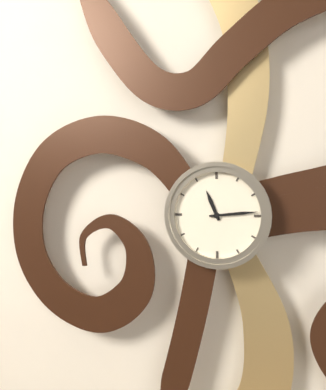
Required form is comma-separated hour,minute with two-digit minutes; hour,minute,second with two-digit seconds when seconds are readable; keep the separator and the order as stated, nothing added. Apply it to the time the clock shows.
11,14
